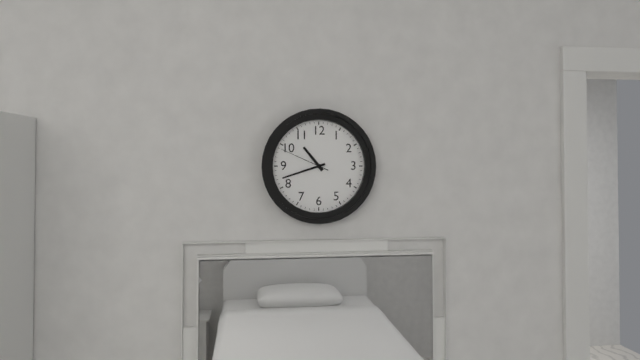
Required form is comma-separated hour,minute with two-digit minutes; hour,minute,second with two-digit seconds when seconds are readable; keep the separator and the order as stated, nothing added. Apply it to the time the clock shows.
10,42,49
